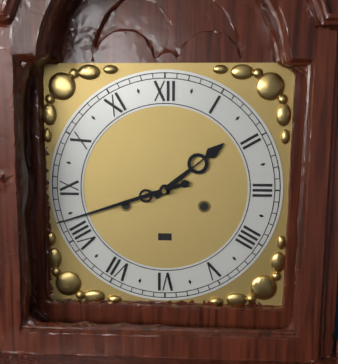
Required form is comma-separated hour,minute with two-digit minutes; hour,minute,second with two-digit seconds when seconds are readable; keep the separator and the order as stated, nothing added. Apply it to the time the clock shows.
1,42
